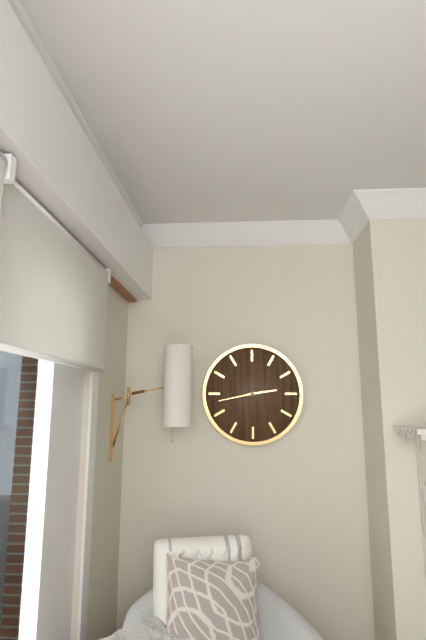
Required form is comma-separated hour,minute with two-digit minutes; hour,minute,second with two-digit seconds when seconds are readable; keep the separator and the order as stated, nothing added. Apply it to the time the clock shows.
2,43
